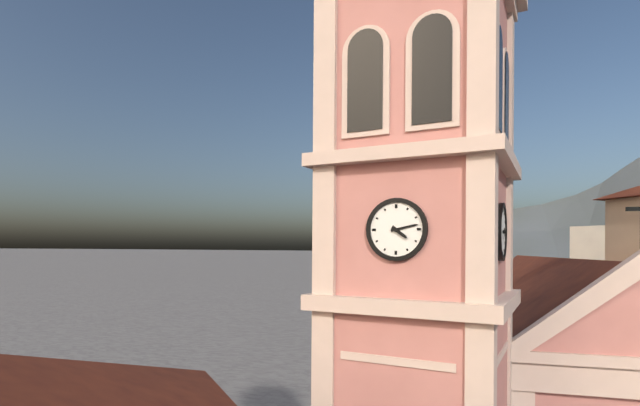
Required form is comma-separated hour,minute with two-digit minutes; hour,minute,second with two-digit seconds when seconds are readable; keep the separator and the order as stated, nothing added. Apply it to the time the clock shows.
4,13
